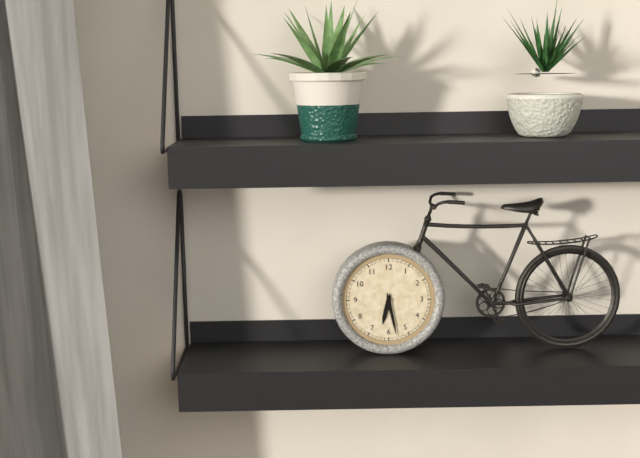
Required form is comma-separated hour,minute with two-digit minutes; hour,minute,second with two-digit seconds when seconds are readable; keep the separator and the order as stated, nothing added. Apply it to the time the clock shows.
6,28
